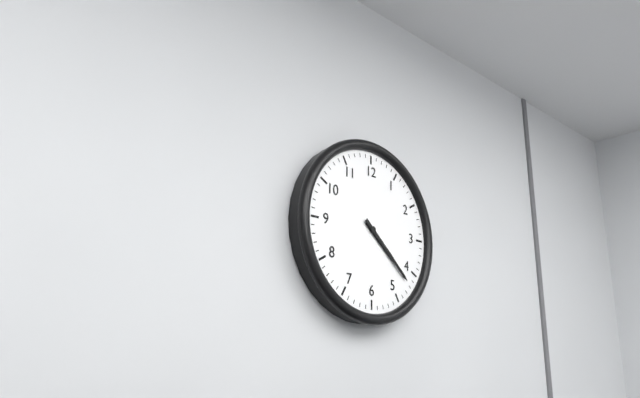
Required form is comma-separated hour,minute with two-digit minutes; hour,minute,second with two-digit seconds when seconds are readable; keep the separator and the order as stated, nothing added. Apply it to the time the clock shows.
4,22
